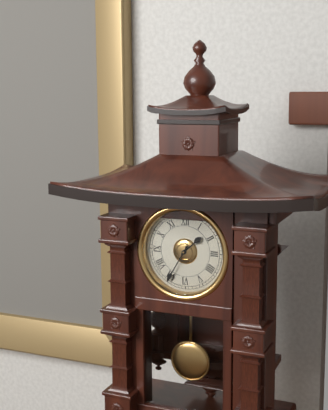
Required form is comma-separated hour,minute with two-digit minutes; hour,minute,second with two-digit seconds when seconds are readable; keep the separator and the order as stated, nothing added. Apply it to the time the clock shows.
1,35
